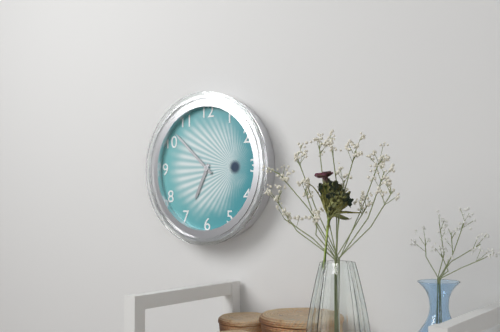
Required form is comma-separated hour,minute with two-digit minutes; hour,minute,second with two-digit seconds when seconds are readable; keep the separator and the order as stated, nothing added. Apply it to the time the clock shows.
6,52
